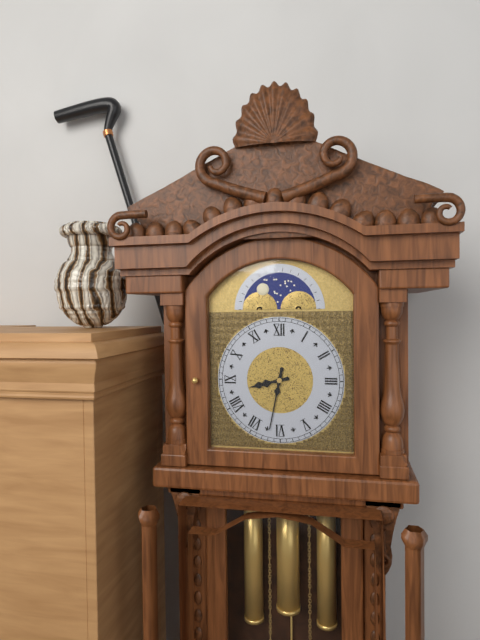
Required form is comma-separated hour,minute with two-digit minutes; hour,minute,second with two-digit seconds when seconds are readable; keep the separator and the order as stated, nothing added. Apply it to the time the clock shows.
8,32
